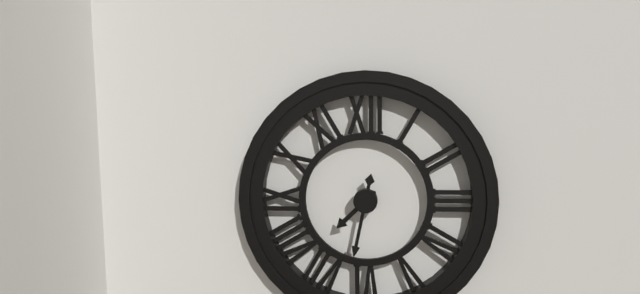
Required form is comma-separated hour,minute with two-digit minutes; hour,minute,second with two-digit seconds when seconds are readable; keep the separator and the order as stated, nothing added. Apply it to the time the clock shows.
7,32
